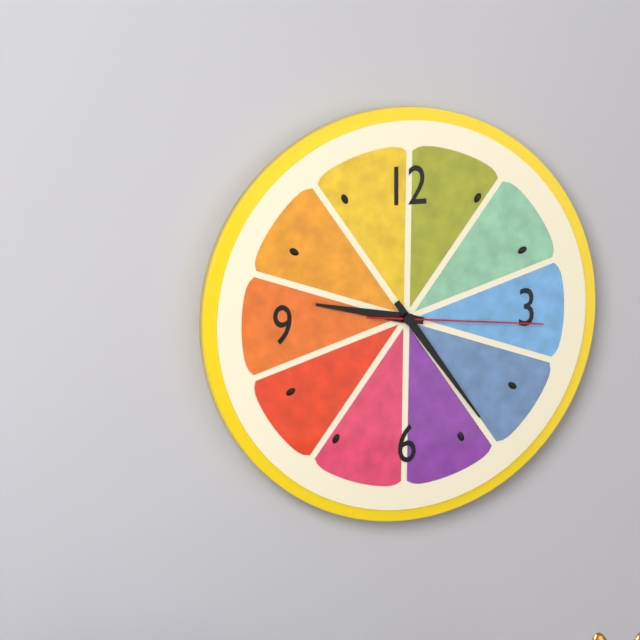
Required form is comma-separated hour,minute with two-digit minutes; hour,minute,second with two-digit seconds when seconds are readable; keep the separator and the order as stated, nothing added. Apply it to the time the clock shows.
9,24,16
